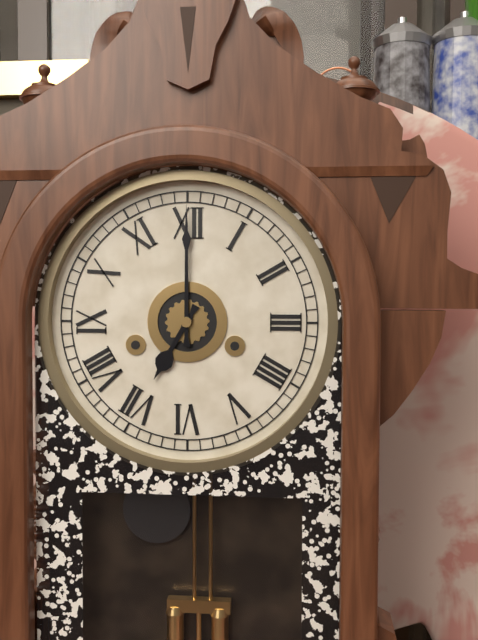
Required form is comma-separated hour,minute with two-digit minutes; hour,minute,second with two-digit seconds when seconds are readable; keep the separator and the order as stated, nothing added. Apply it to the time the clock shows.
7,00
